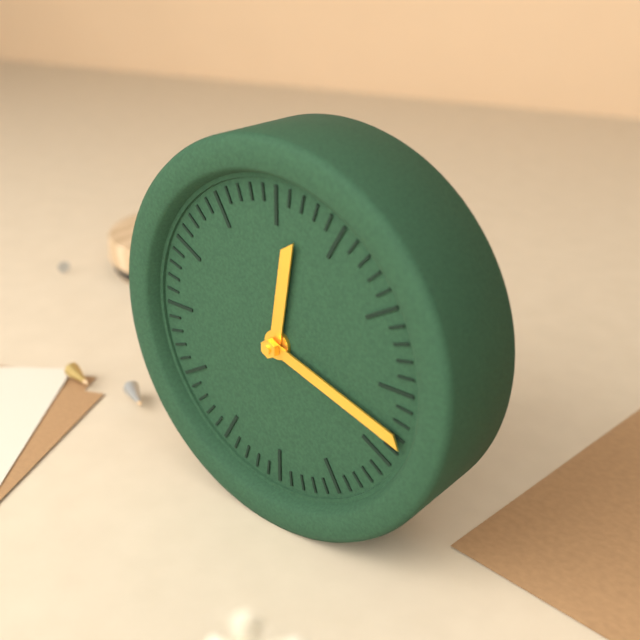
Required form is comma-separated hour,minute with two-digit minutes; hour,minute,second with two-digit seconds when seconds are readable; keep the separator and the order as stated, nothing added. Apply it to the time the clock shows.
12,18
